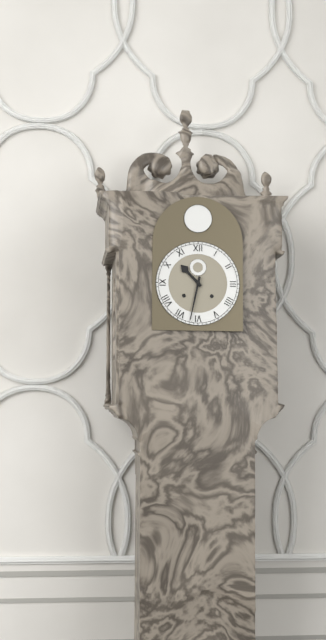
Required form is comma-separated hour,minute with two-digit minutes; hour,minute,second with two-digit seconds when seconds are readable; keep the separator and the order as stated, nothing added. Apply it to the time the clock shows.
10,32
